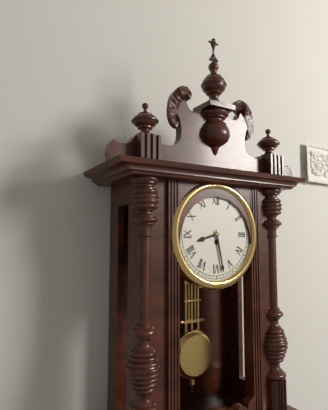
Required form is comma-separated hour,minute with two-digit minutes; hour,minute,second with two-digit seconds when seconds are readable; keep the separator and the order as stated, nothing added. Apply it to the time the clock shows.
8,28
